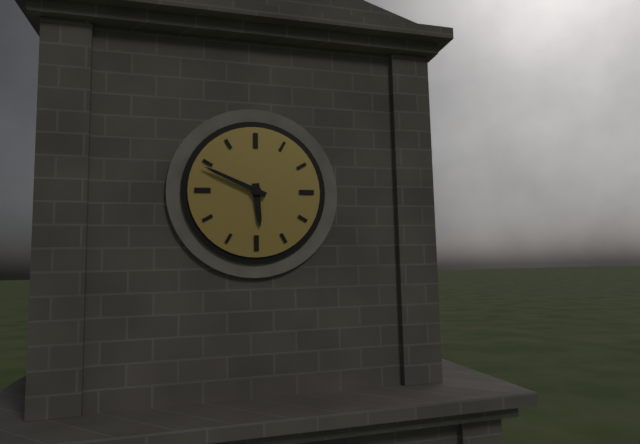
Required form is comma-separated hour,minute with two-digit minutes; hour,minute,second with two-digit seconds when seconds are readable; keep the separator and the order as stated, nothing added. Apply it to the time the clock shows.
5,49
